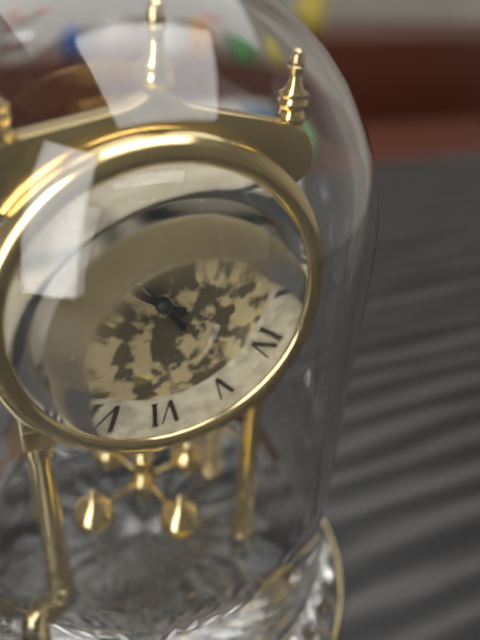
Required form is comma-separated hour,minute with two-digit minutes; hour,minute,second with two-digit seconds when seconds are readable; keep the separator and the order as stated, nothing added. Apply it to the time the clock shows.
9,54
